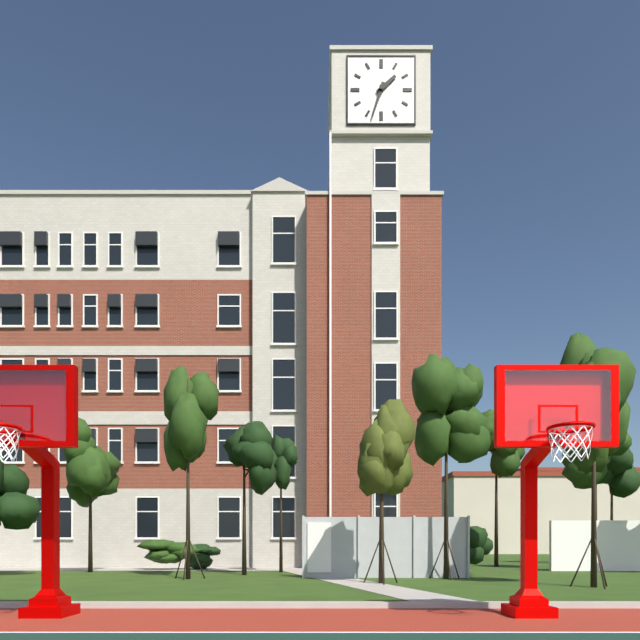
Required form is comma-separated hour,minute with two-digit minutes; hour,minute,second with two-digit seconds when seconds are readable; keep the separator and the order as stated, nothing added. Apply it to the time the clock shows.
1,33
